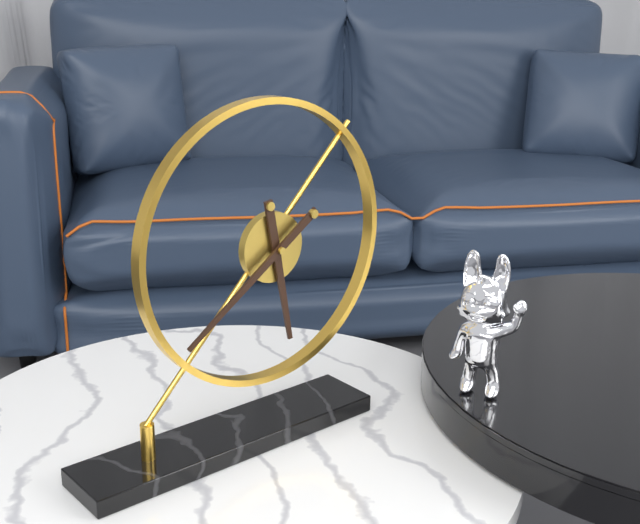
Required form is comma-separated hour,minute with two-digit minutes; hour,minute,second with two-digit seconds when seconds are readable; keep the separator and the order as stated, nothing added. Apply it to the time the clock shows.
5,39
